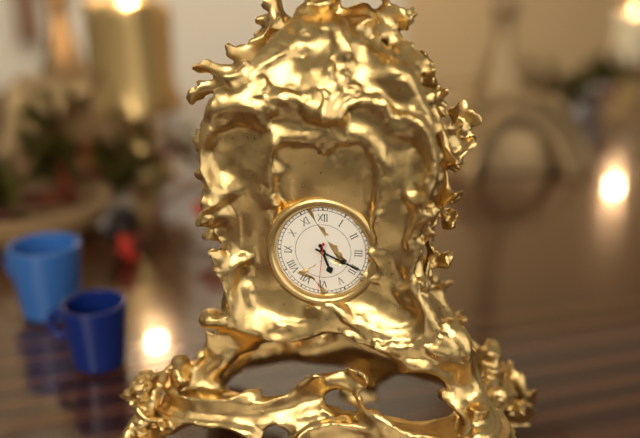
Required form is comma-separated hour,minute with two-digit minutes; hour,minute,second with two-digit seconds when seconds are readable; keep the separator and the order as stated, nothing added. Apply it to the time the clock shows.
5,19,31
